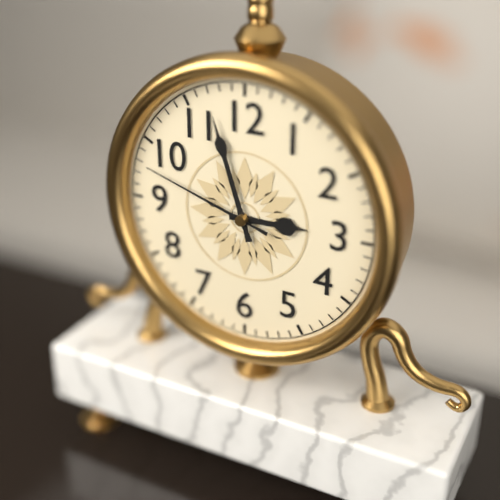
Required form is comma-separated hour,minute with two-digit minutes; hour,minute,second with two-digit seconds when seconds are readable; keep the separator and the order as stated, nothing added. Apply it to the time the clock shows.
2,57,48
